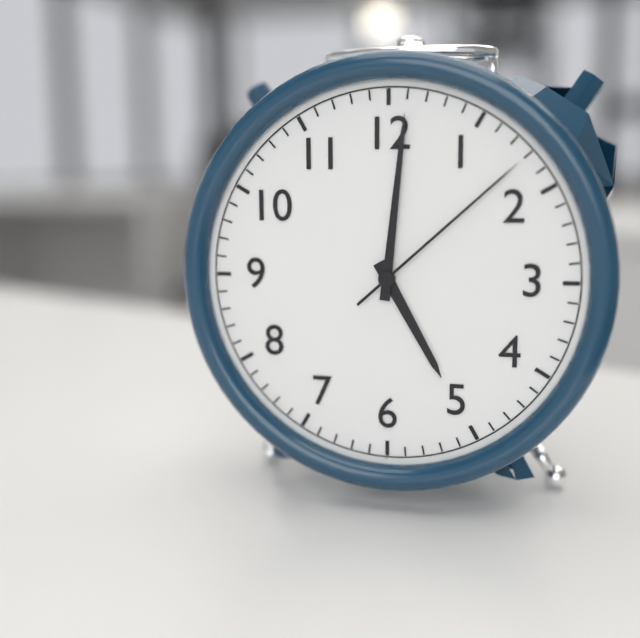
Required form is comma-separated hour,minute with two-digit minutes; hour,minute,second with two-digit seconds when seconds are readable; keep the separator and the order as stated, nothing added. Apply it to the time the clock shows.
5,01,08
